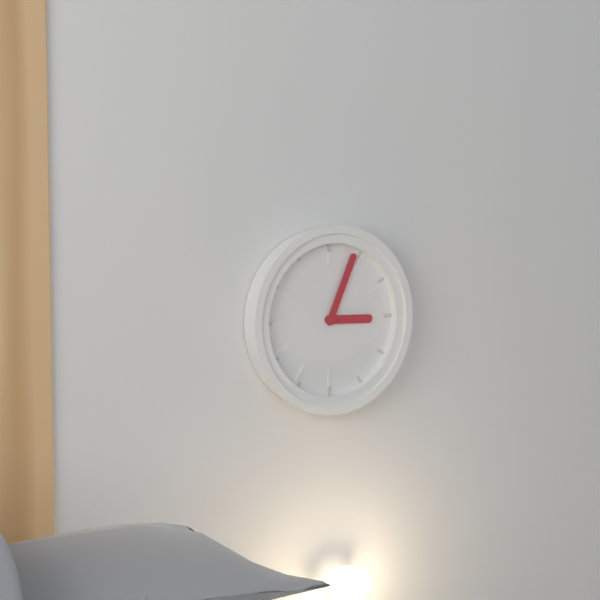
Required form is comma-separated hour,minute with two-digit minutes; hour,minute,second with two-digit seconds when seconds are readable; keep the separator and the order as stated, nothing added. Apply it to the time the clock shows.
3,04
